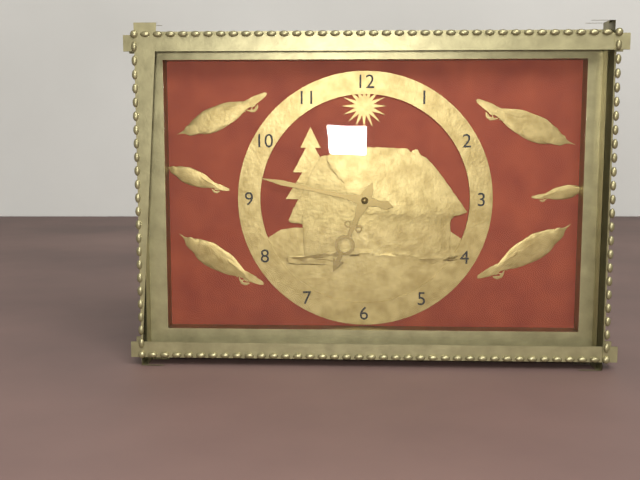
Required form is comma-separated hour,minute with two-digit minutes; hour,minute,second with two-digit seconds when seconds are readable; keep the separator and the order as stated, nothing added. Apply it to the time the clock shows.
6,47
